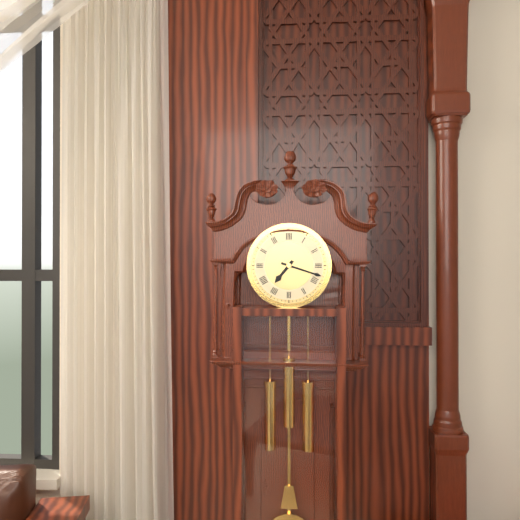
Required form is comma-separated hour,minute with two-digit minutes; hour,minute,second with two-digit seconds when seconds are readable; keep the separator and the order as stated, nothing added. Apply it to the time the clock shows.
7,18
